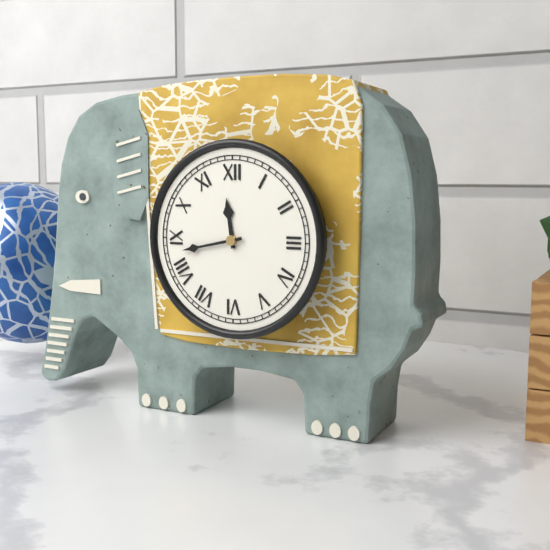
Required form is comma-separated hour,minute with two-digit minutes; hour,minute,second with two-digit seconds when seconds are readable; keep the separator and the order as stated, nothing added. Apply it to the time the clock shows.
11,43
